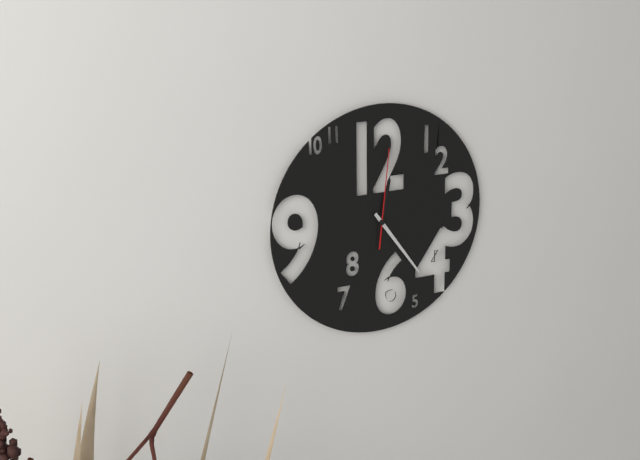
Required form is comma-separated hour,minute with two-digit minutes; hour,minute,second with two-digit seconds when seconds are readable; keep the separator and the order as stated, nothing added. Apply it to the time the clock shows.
12,24,01
